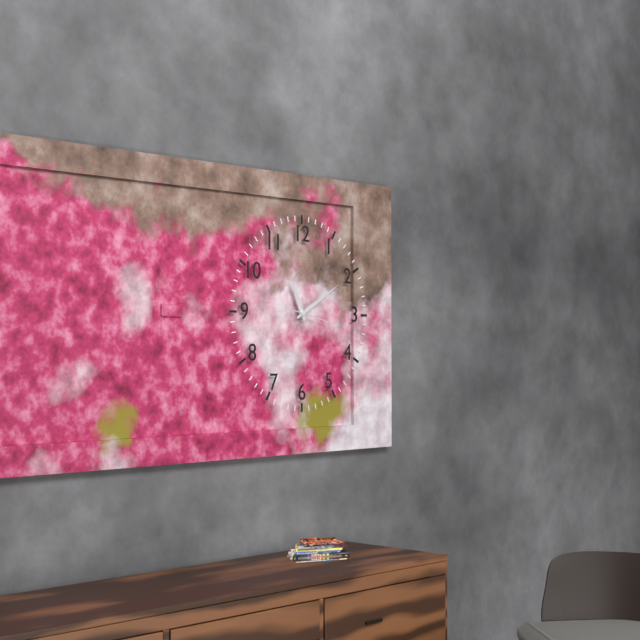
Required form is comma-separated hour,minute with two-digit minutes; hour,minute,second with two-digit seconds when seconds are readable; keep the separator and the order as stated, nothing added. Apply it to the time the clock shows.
11,10
